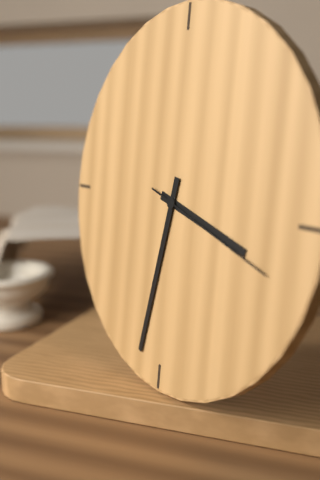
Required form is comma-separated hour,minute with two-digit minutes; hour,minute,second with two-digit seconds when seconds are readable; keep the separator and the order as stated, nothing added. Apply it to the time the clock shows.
3,32,18
